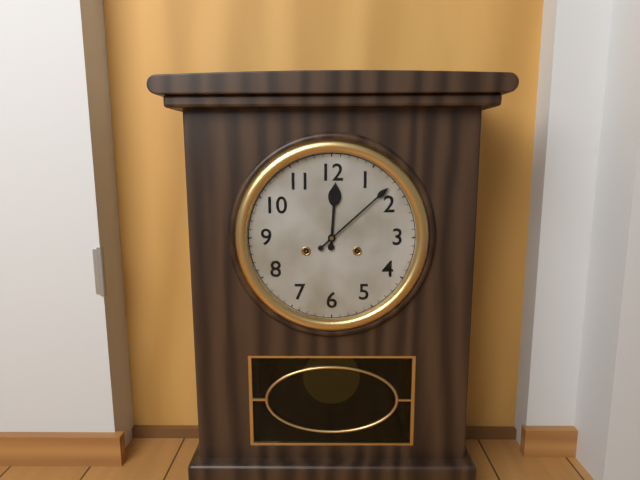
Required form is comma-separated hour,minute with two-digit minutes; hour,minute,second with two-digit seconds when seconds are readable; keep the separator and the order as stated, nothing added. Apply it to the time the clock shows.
12,08
